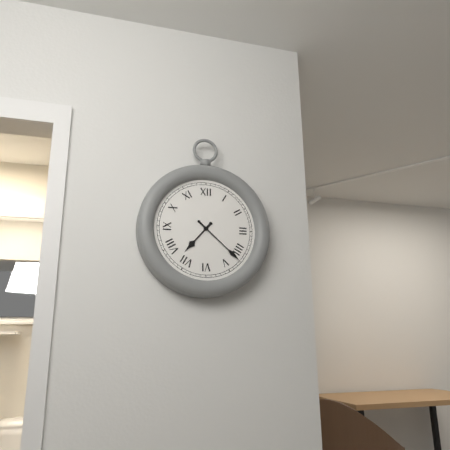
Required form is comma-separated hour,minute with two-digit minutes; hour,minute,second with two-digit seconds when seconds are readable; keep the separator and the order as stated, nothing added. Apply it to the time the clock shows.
7,22
